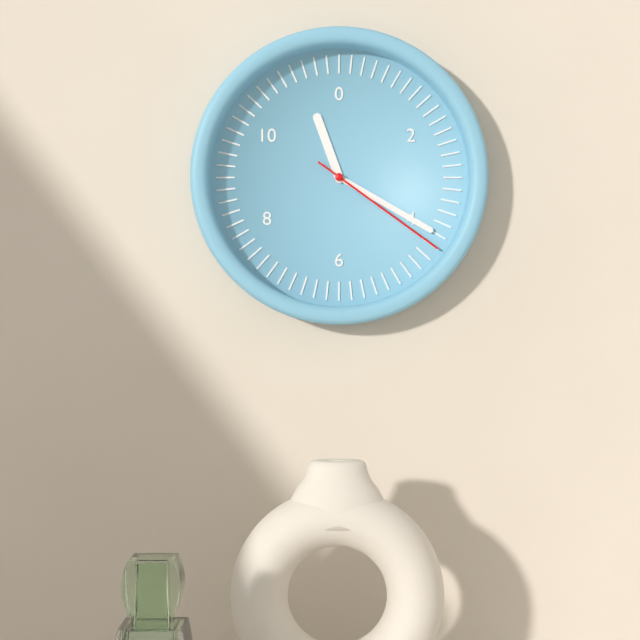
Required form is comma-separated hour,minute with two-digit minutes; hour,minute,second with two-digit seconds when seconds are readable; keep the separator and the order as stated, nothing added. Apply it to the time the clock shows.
11,20,21
